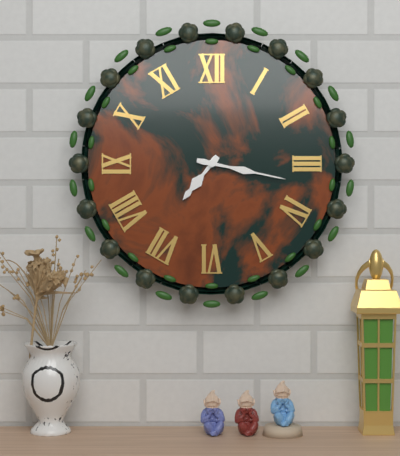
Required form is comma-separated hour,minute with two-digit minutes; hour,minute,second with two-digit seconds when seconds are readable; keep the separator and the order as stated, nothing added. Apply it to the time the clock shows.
7,17
